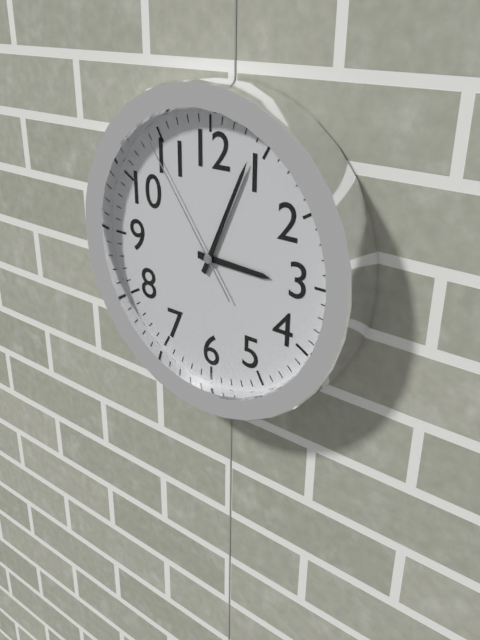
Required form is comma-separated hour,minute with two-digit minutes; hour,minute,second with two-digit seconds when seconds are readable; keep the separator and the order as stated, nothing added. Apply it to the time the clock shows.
3,04,54
